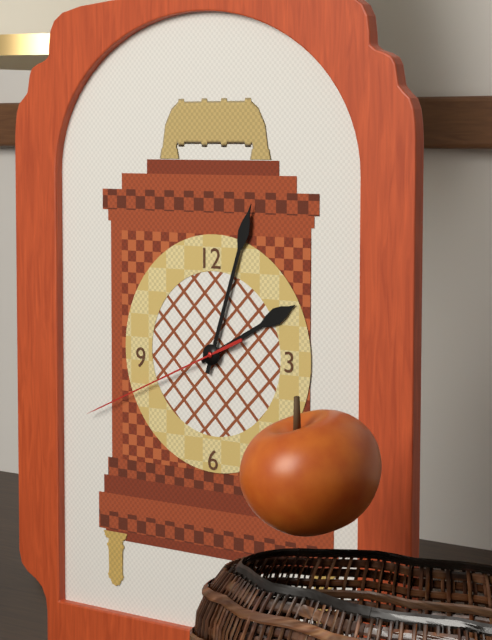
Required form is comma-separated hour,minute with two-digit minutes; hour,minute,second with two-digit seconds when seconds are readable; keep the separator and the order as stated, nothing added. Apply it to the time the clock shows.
2,03,41
